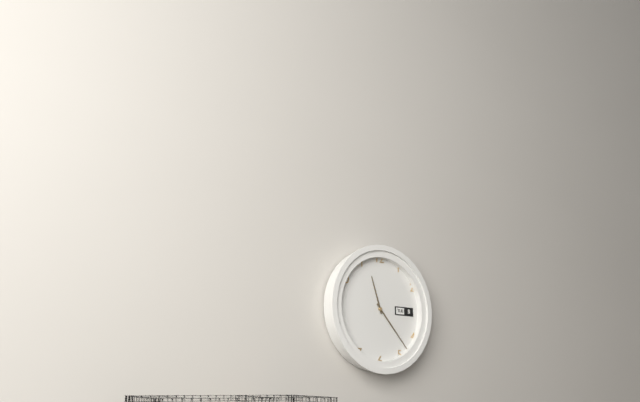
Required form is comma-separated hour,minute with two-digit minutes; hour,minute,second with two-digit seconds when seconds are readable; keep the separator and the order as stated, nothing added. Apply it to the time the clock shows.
11,23
